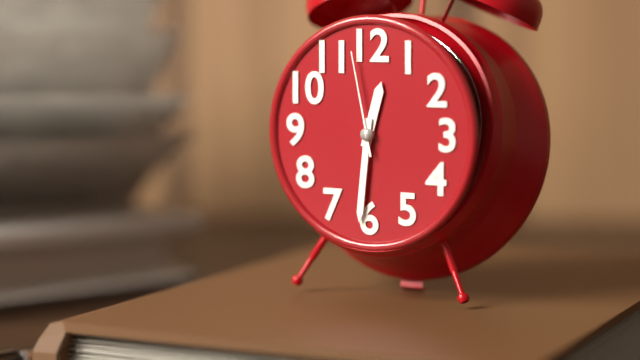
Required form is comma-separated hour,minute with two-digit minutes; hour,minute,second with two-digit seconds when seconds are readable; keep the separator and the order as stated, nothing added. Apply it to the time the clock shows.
12,31,58
